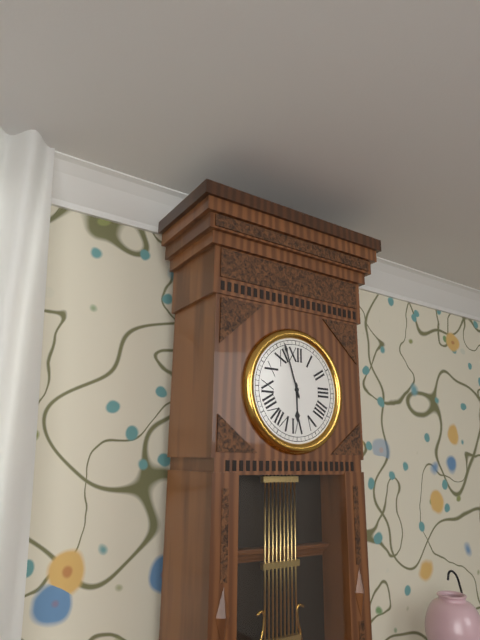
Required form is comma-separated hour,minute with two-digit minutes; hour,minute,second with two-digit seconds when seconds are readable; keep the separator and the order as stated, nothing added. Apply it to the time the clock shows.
5,57
